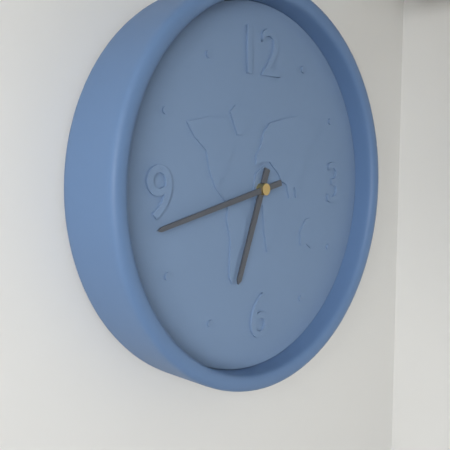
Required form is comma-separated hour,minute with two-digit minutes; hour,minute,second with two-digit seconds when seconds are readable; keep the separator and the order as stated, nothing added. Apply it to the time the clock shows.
6,43
